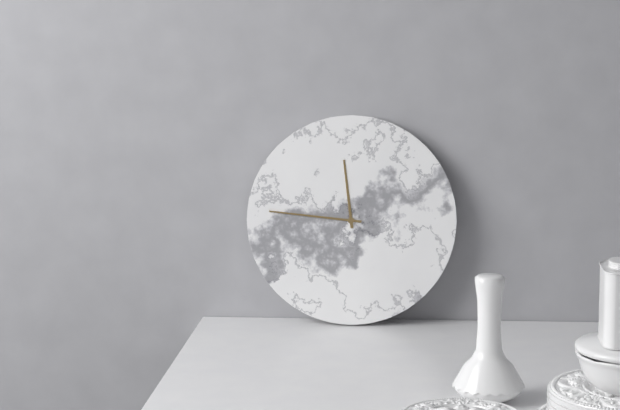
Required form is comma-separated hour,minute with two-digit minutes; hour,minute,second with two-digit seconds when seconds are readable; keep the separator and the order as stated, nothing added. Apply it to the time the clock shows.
11,46
